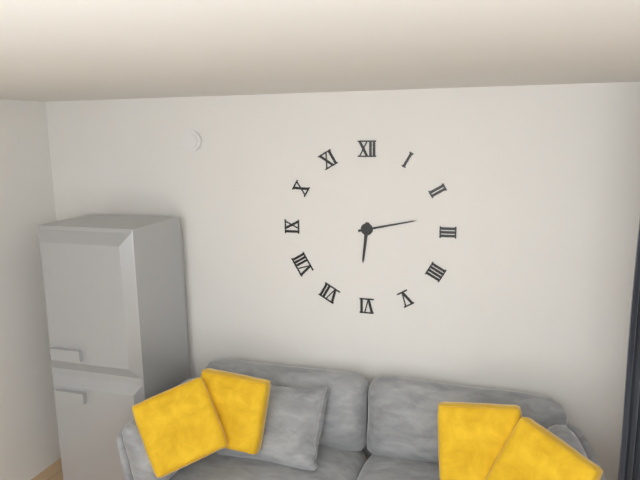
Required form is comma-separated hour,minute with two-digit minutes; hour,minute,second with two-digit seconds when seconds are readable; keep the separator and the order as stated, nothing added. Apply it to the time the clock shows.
6,13
